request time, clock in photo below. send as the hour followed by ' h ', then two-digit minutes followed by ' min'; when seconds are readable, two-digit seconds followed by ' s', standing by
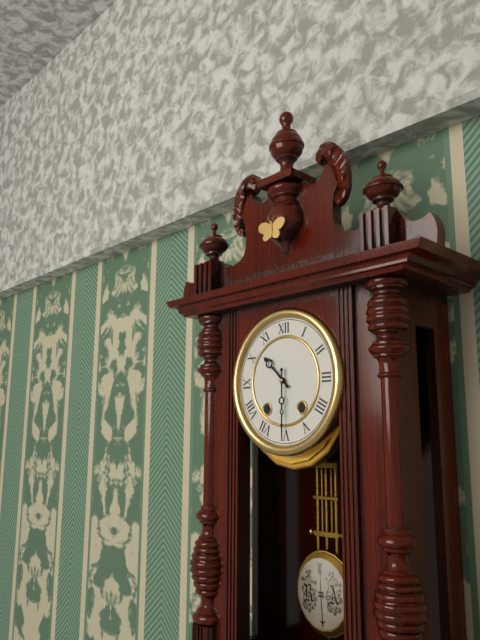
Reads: 10 h 30 min
